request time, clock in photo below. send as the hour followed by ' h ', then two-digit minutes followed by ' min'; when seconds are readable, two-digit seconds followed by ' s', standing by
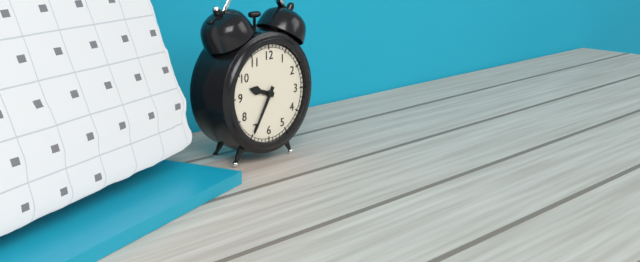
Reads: 9 h 35 min
